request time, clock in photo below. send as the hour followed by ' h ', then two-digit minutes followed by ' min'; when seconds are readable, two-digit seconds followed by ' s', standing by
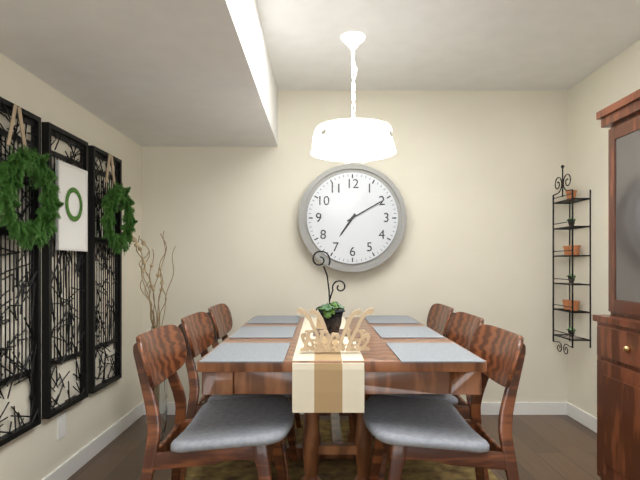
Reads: 7 h 10 min
